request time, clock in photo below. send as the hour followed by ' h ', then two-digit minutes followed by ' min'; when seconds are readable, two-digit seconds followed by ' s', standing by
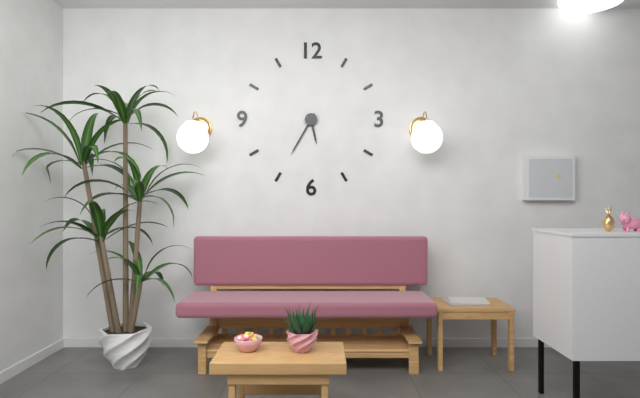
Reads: 5 h 35 min
